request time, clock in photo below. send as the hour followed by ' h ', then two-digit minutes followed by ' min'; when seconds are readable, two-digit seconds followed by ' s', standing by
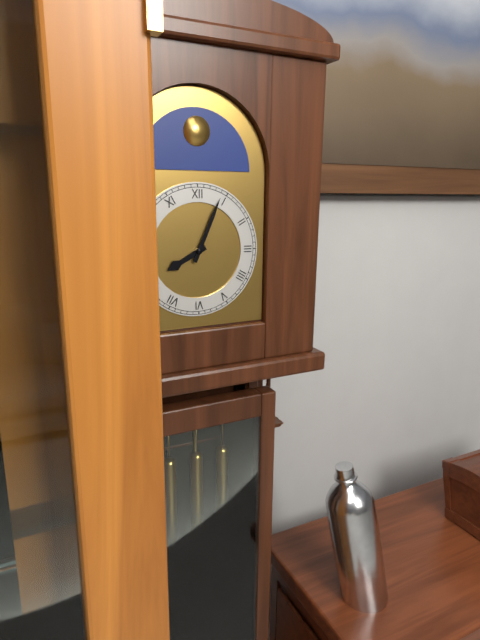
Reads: 8 h 04 min
